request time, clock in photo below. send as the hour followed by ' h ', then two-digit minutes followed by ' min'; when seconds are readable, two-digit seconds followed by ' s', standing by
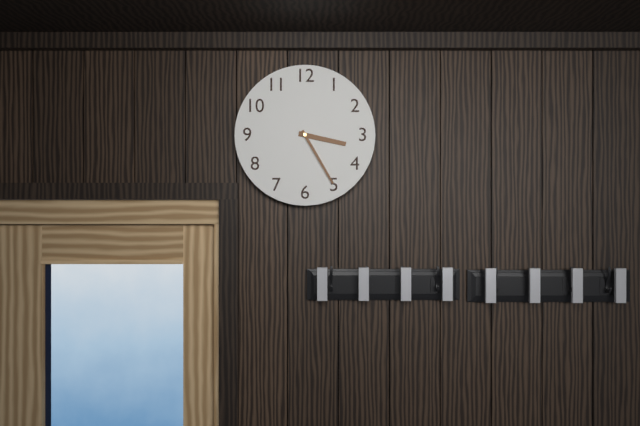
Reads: 3 h 25 min
